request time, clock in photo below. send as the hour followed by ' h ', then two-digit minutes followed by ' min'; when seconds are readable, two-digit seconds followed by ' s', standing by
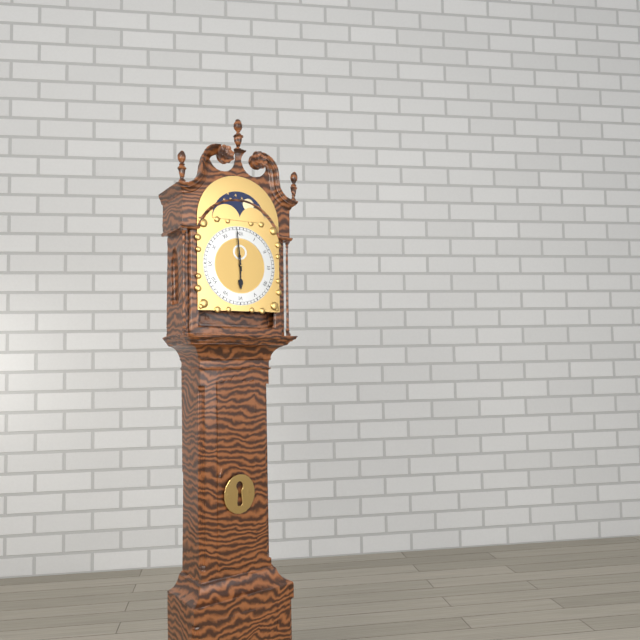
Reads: 5 h 59 min
